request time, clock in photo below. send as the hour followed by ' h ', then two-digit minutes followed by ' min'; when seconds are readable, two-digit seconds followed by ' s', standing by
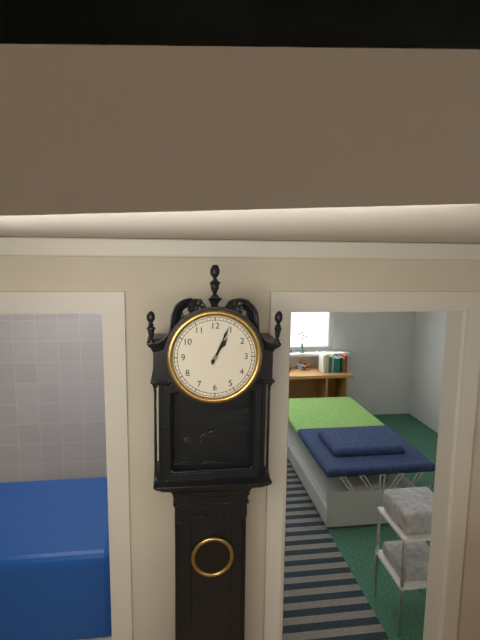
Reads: 1 h 04 min
